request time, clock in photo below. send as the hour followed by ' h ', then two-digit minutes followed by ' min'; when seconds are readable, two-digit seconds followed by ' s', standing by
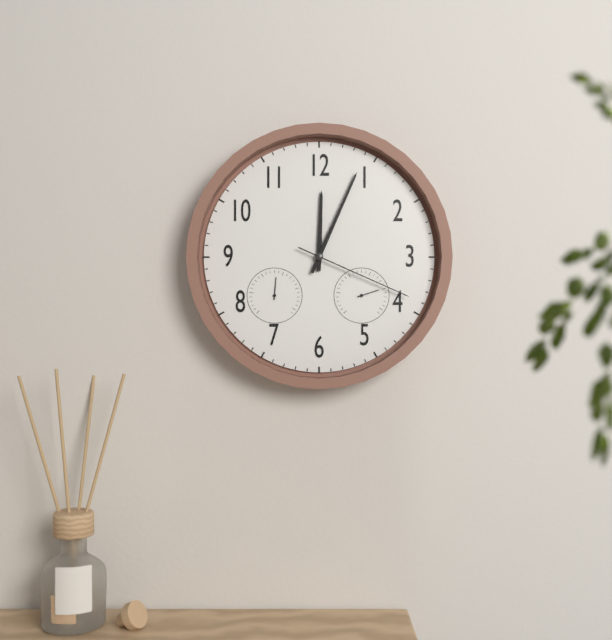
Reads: 12 h 04 min 19 s
